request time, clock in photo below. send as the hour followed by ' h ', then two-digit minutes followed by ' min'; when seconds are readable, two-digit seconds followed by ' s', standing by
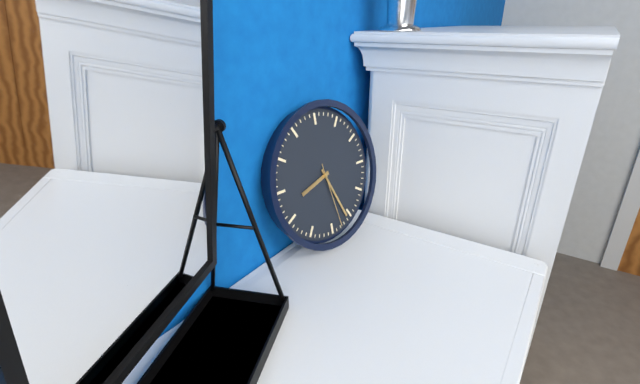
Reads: 8 h 26 min 28 s
